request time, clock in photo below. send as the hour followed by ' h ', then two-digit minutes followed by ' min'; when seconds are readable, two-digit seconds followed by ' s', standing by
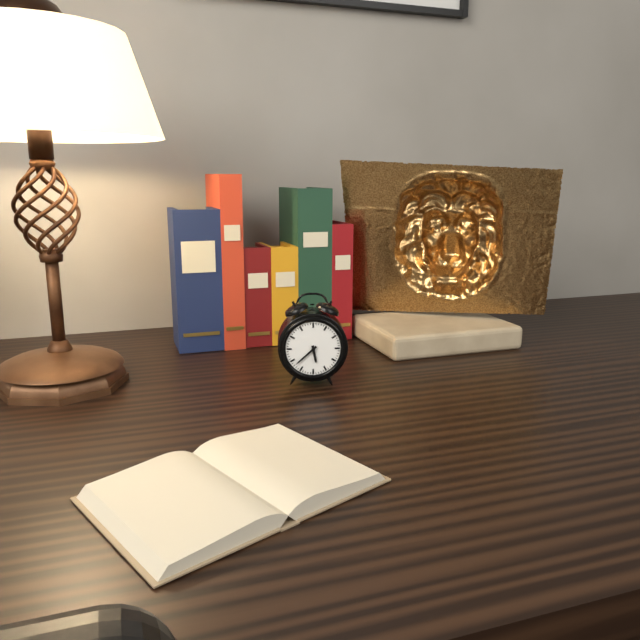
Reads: 5 h 38 min
